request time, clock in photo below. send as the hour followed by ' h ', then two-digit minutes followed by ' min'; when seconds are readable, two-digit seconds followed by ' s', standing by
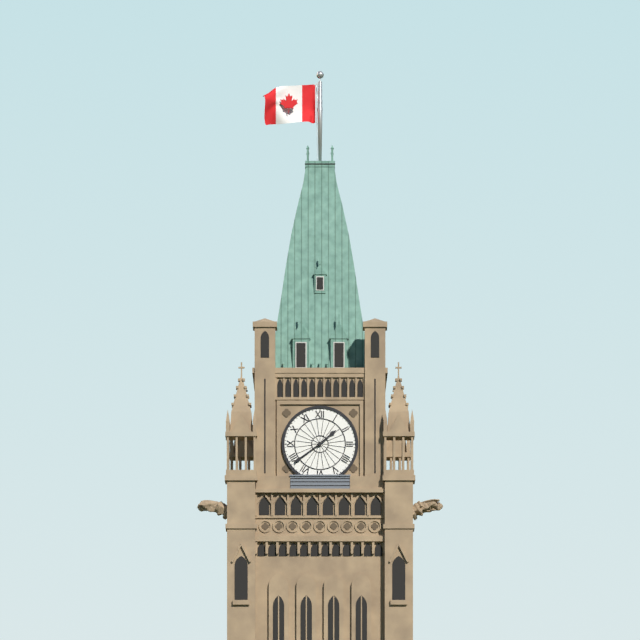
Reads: 1 h 39 min
